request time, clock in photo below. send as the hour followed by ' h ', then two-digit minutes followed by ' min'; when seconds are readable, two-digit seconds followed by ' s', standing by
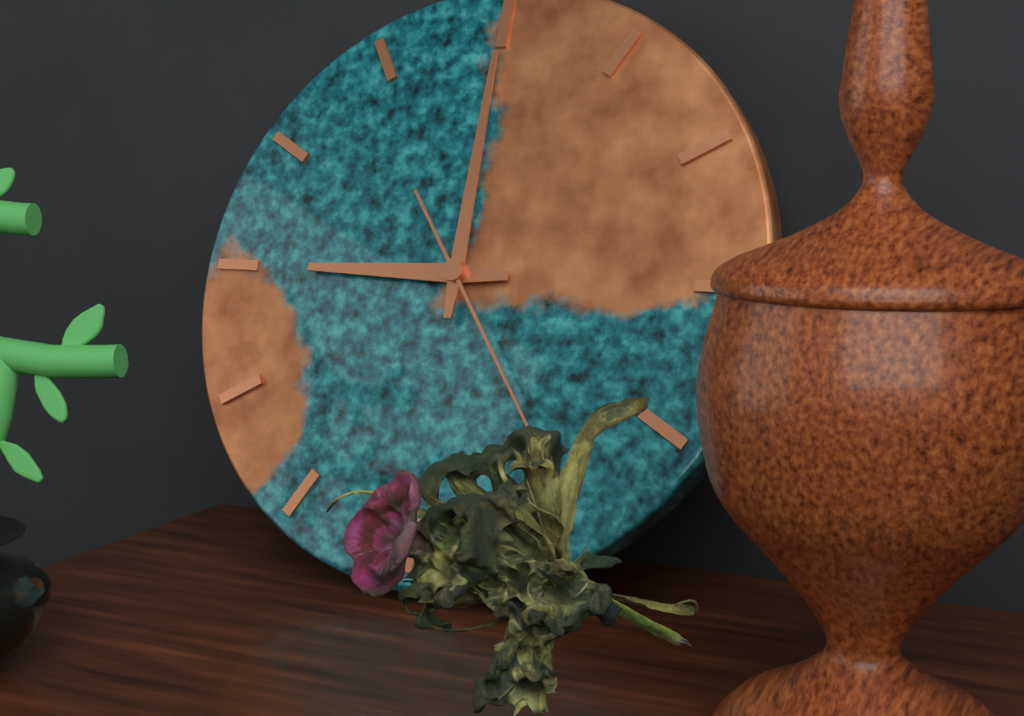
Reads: 9 h 00 min 24 s
